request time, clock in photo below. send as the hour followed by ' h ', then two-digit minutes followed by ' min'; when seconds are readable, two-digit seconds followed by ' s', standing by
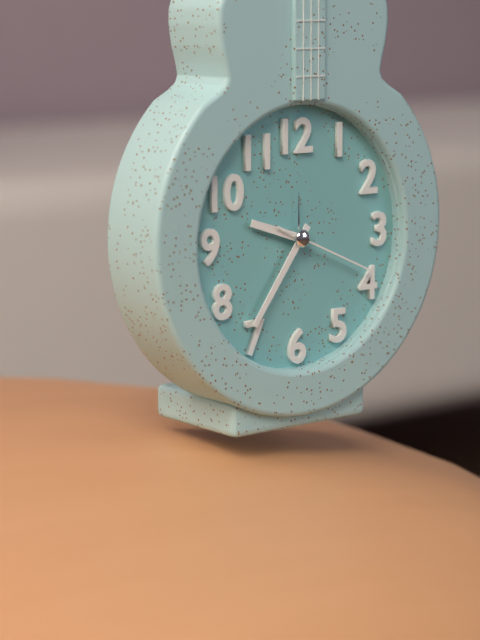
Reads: 9 h 36 min 19 s
